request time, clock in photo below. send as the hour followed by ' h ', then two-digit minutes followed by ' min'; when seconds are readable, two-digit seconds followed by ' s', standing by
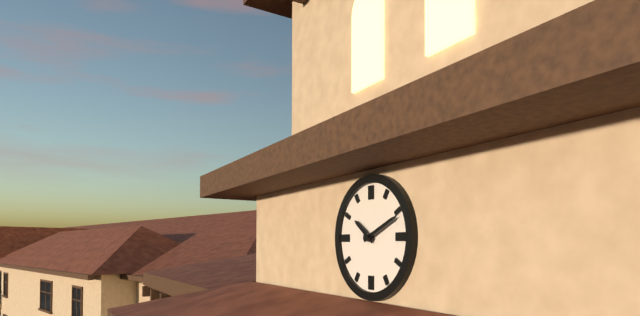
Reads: 10 h 11 min
